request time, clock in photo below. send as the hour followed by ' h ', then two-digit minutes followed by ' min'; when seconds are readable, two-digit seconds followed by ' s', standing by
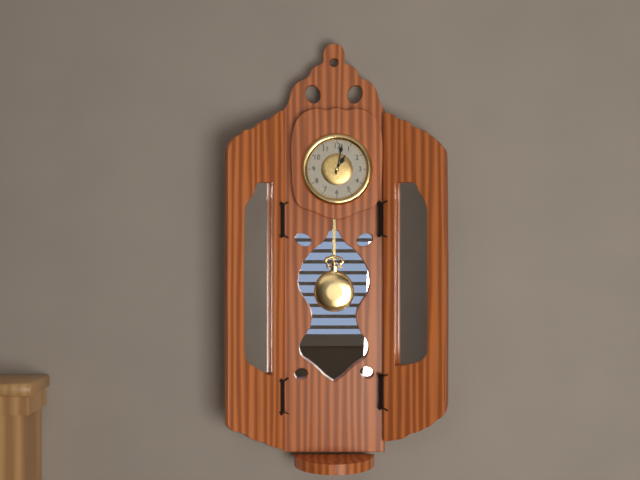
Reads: 1 h 02 min
